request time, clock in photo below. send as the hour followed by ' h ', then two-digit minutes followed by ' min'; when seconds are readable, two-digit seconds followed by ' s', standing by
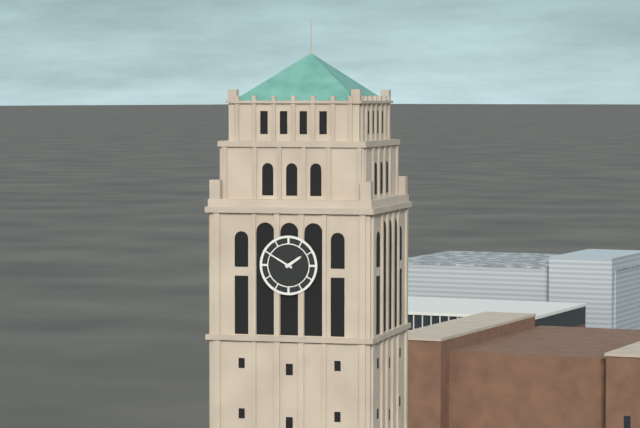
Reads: 1 h 50 min
